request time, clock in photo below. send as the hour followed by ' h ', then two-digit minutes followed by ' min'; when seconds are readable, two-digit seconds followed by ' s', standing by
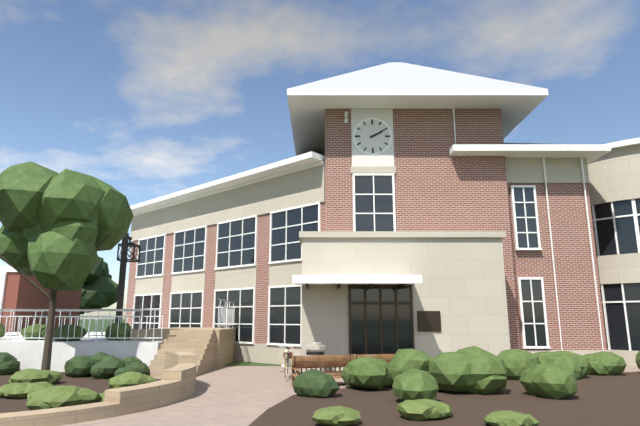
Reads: 2 h 10 min
